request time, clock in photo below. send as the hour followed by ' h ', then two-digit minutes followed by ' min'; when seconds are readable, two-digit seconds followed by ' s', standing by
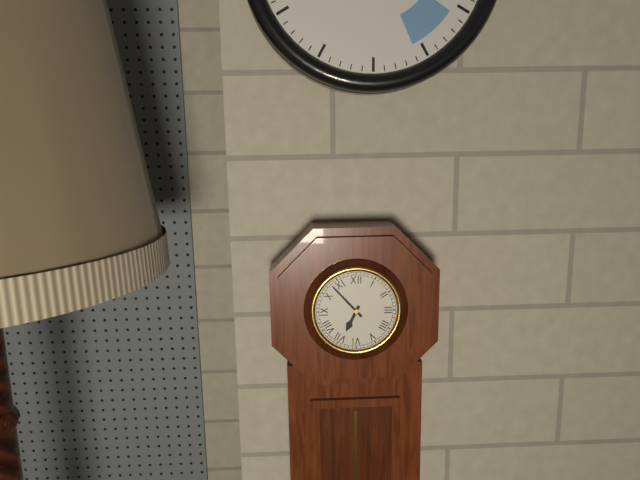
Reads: 6 h 53 min
